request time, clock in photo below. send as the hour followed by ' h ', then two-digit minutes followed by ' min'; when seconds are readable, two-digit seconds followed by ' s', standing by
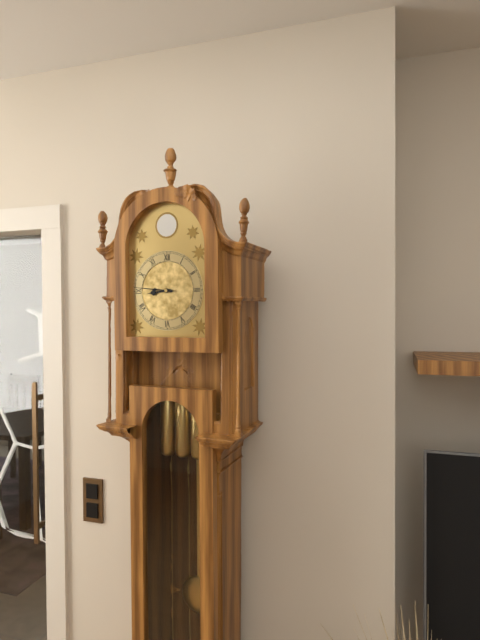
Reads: 8 h 46 min
